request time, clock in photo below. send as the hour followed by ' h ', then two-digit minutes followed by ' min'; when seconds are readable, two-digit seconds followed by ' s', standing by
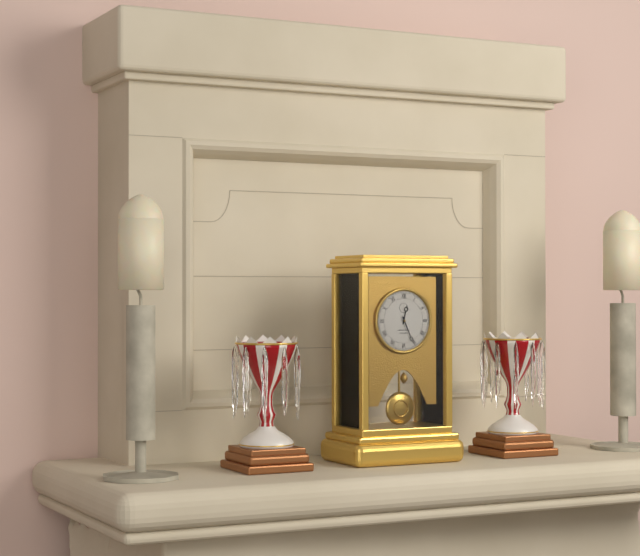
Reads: 12 h 26 min
